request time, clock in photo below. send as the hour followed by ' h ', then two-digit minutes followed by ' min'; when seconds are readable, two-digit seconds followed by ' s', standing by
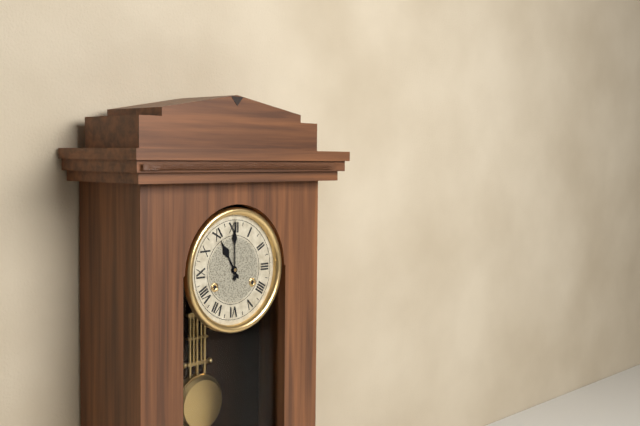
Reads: 11 h 00 min
